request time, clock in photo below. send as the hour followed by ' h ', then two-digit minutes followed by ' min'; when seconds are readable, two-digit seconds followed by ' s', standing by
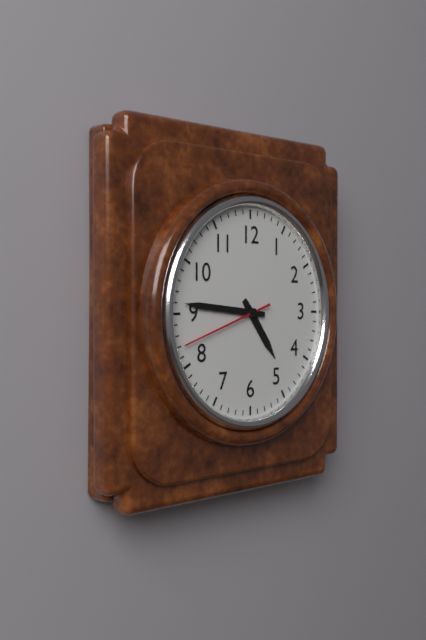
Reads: 4 h 46 min 42 s
